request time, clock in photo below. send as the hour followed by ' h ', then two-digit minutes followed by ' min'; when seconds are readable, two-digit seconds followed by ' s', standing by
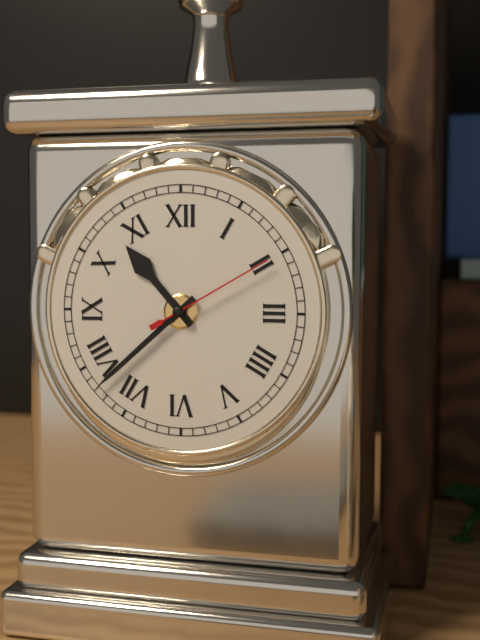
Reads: 10 h 38 min 10 s
